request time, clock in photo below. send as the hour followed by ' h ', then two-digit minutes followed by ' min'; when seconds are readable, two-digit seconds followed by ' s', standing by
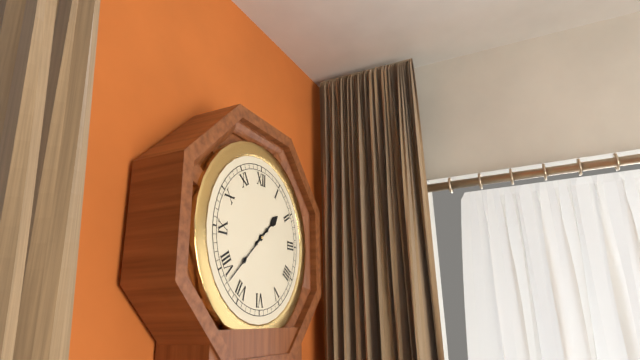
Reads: 1 h 38 min
